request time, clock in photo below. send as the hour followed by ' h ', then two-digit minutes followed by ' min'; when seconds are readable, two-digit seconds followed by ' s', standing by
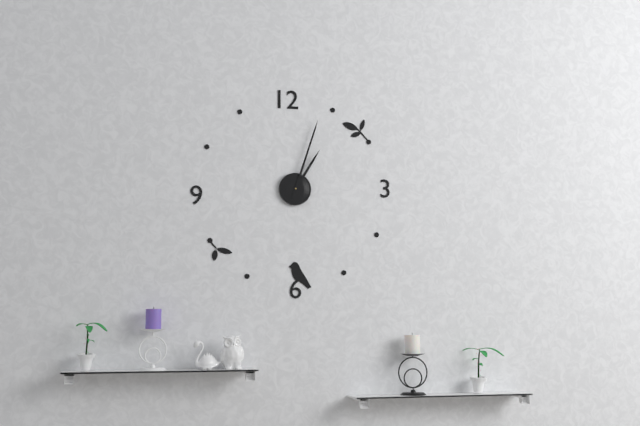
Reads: 1 h 03 min
